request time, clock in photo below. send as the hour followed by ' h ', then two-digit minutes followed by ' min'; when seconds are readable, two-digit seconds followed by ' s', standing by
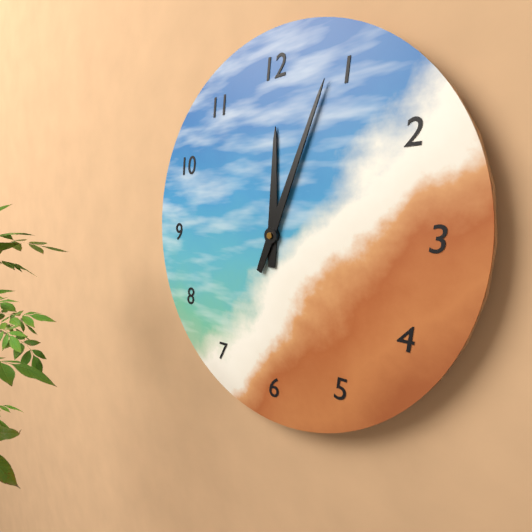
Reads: 12 h 04 min
